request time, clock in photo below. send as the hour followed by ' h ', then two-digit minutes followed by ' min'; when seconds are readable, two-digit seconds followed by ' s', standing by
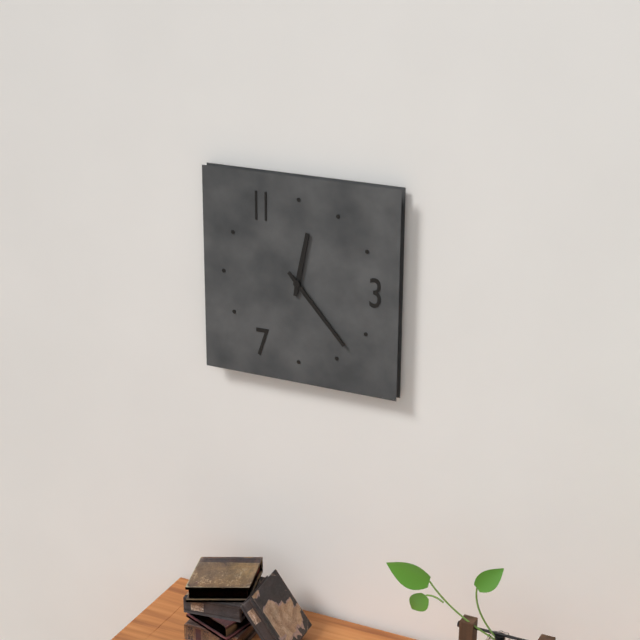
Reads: 12 h 23 min
